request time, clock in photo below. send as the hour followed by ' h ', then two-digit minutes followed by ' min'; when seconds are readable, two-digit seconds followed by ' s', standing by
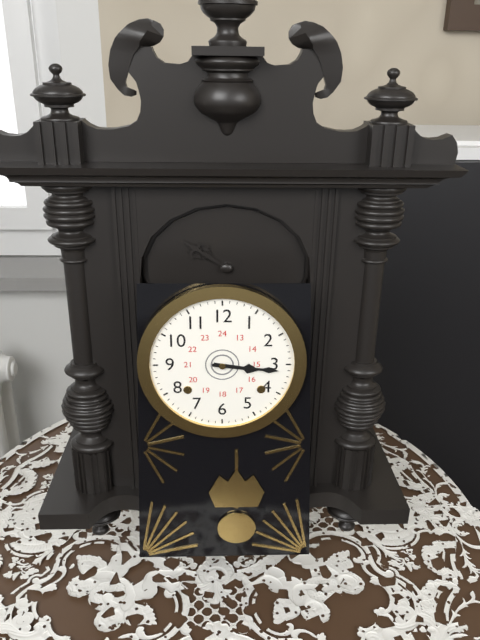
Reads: 3 h 16 min
